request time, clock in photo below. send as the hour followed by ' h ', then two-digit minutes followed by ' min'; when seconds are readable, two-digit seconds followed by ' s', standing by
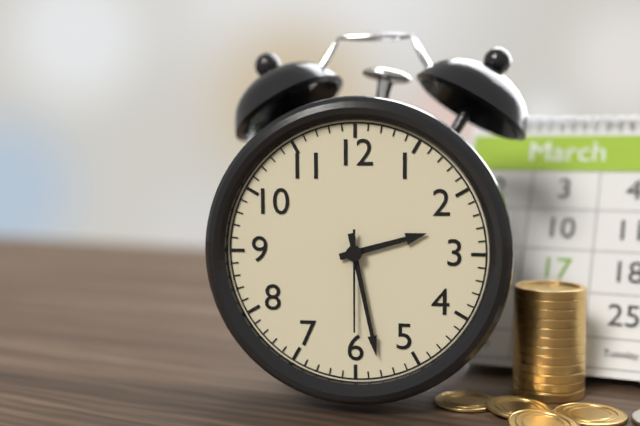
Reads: 2 h 28 min 30 s
